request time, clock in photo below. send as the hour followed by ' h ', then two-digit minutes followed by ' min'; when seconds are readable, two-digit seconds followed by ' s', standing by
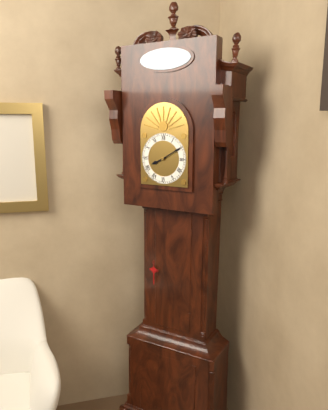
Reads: 8 h 10 min
